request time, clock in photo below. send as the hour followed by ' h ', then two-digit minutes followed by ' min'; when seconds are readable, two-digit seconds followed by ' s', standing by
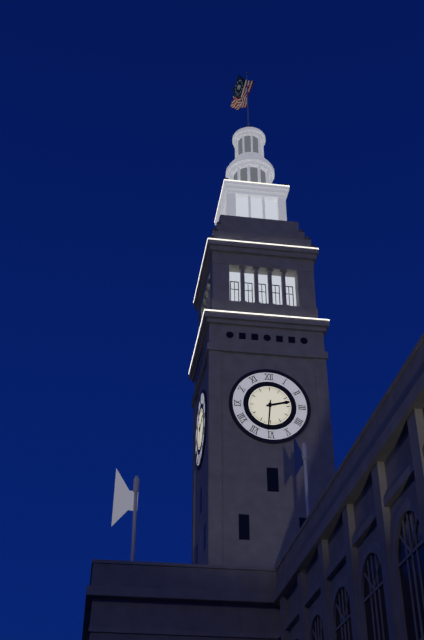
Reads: 2 h 31 min
